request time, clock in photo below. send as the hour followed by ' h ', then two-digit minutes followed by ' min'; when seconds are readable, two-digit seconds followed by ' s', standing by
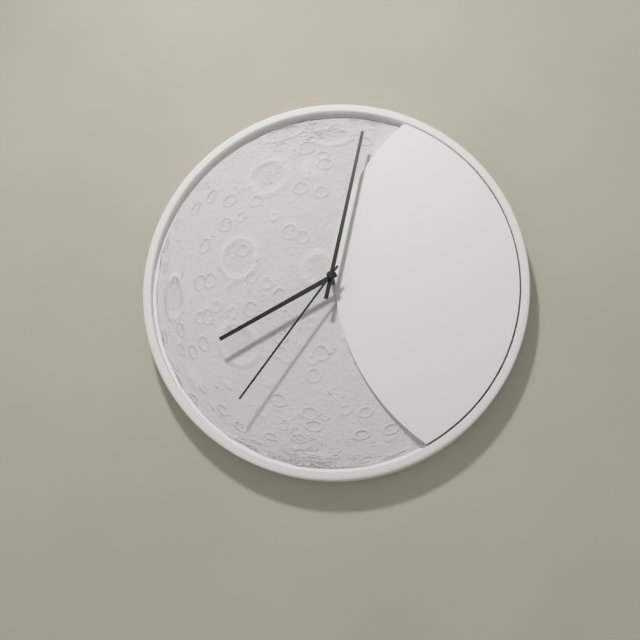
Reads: 8 h 02 min 36 s
